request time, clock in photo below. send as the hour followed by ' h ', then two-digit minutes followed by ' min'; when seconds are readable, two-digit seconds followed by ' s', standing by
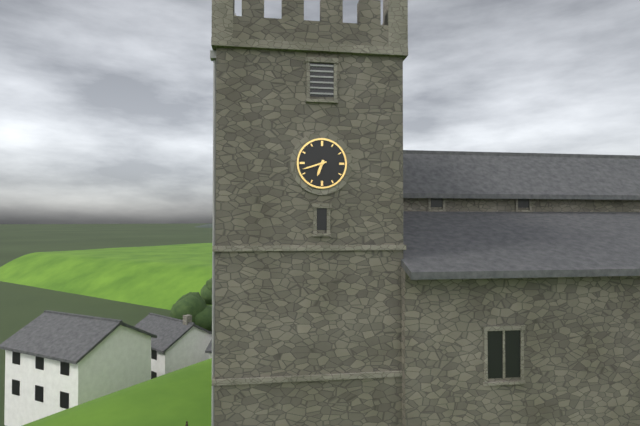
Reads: 6 h 42 min
